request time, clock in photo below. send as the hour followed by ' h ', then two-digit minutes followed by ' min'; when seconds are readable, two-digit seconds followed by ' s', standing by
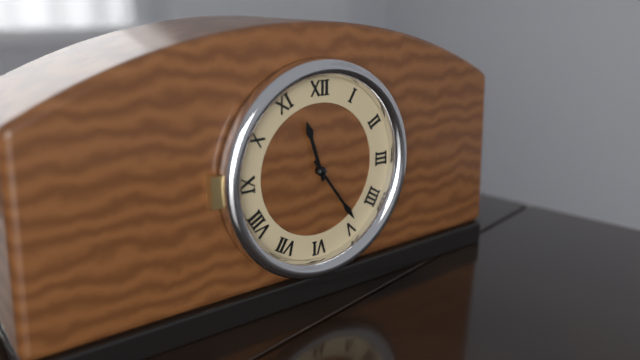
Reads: 11 h 24 min
